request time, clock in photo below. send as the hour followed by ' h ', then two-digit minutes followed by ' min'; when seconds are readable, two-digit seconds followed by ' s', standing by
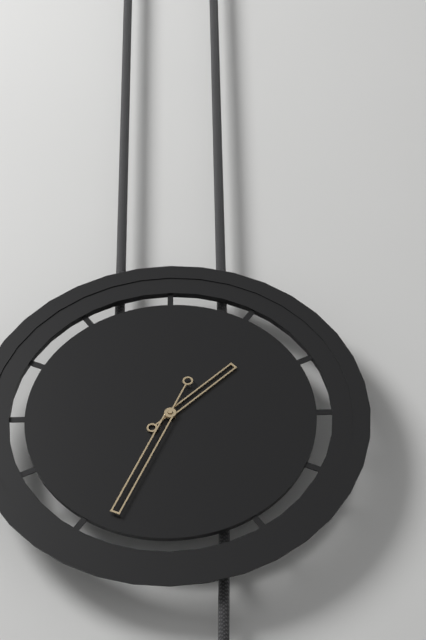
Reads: 1 h 34 min
